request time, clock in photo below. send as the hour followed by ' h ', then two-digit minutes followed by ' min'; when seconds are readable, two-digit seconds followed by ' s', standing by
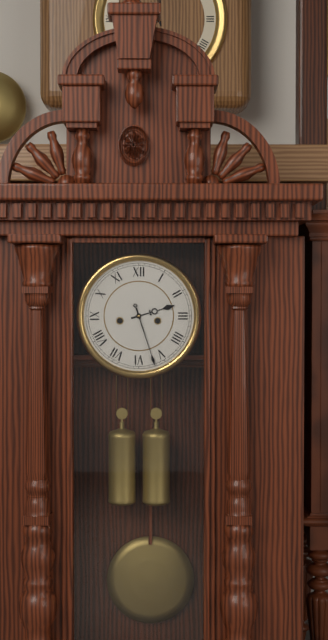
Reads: 2 h 27 min
